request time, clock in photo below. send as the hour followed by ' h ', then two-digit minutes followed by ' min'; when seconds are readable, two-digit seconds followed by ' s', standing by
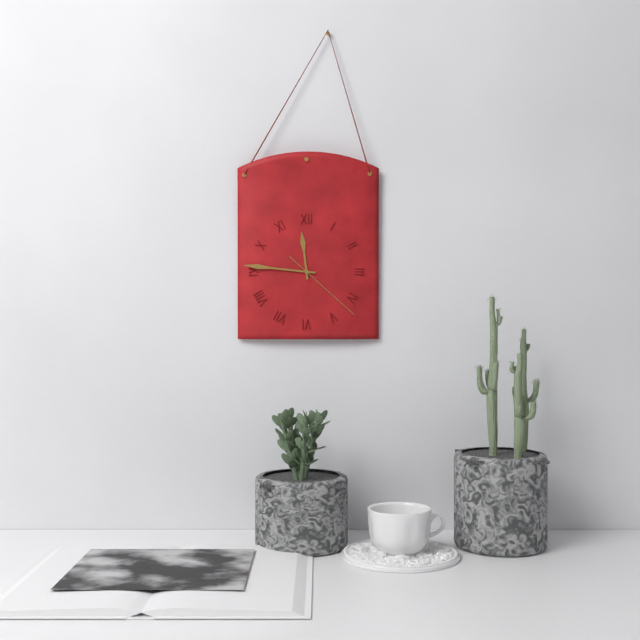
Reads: 11 h 46 min 22 s
